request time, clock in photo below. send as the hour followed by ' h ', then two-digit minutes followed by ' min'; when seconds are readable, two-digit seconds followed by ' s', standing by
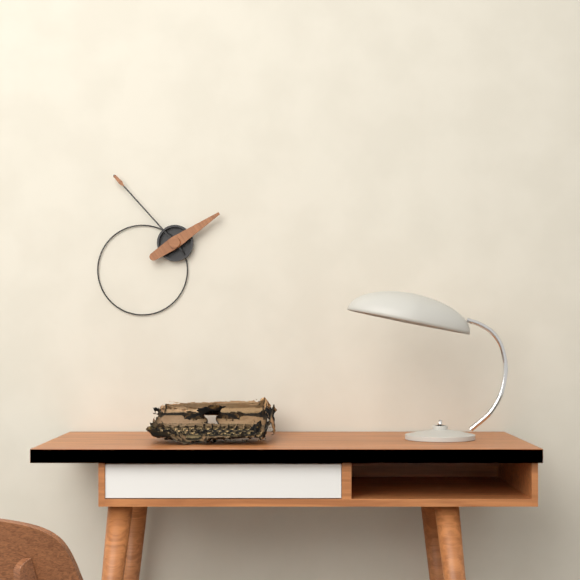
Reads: 1 h 53 min
